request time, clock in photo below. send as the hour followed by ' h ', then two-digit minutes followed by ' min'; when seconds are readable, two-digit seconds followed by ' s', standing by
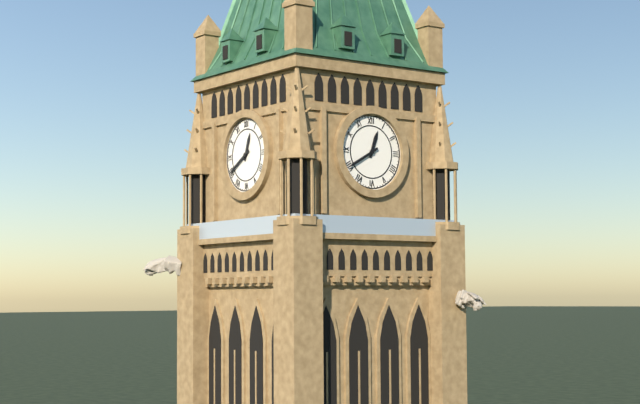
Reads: 12 h 40 min
